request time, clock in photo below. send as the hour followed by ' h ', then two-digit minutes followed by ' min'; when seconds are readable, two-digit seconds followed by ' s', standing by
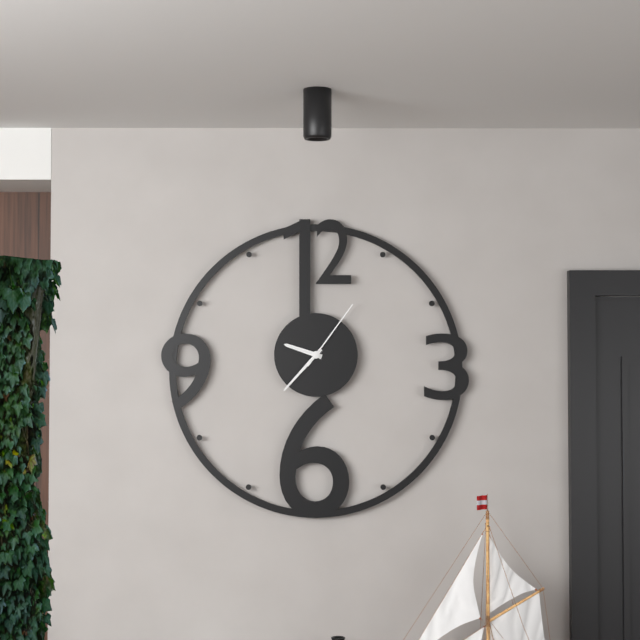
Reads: 9 h 37 min 06 s
